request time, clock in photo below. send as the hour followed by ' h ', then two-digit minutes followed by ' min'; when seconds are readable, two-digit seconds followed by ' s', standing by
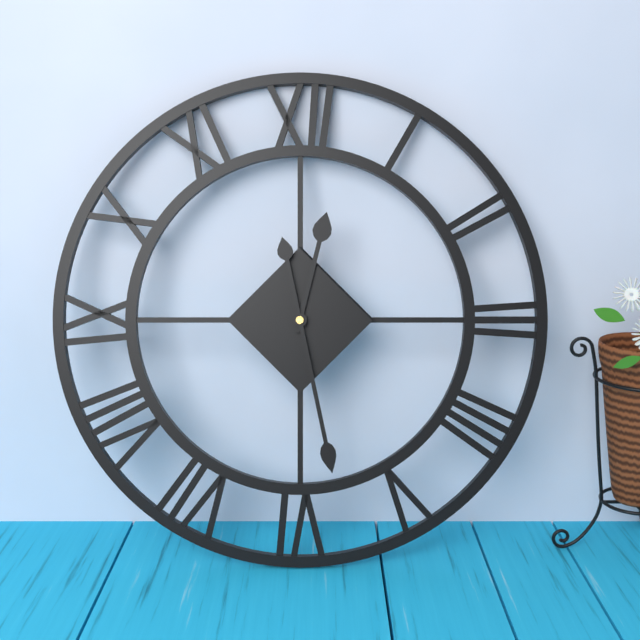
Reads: 12 h 28 min
